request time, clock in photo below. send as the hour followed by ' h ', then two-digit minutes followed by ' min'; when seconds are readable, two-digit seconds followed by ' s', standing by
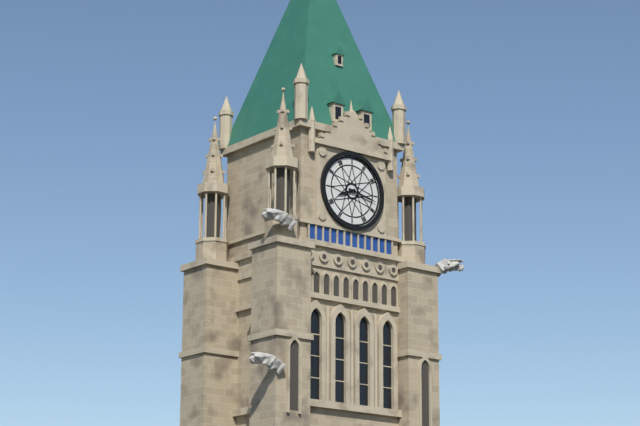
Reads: 8 h 17 min
